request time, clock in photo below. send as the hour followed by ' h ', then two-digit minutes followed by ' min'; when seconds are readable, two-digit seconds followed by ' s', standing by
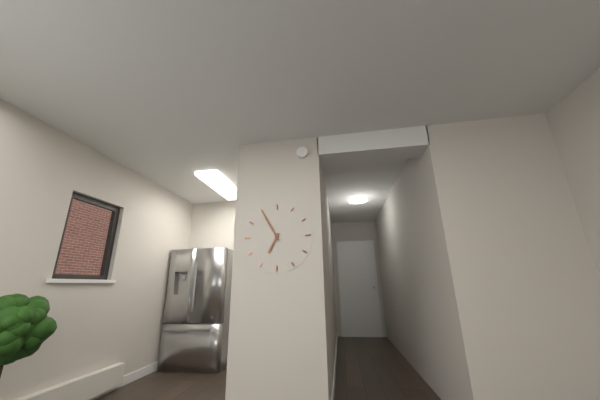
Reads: 6 h 55 min
